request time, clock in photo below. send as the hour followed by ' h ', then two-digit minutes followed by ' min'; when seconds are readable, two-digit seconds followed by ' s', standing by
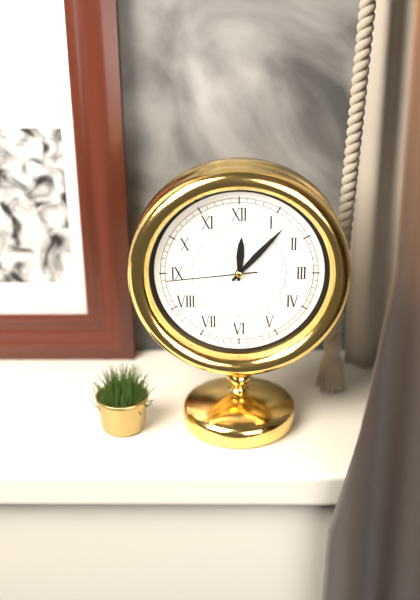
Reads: 12 h 07 min 44 s
